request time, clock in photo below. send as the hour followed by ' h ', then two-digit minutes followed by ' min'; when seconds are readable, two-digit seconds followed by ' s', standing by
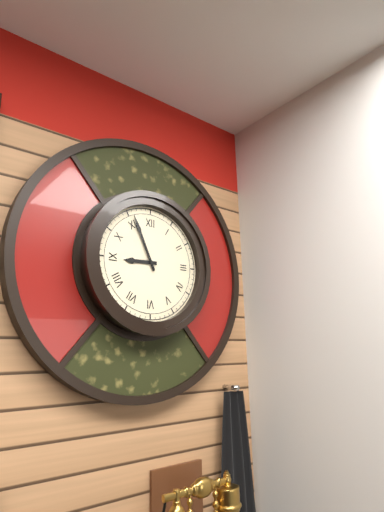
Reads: 8 h 56 min
